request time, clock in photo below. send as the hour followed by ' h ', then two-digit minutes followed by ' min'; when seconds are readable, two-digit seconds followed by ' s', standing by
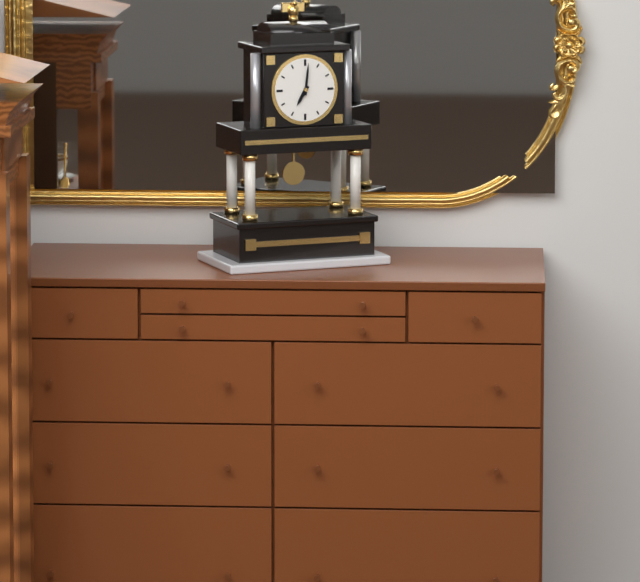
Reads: 7 h 01 min
